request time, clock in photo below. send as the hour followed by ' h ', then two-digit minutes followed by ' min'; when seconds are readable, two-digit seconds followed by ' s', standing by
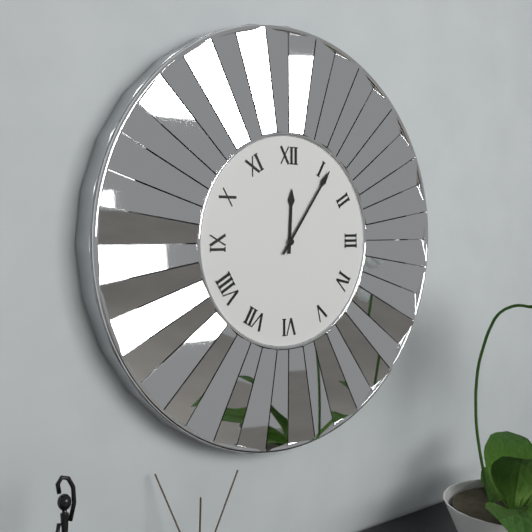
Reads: 12 h 06 min
